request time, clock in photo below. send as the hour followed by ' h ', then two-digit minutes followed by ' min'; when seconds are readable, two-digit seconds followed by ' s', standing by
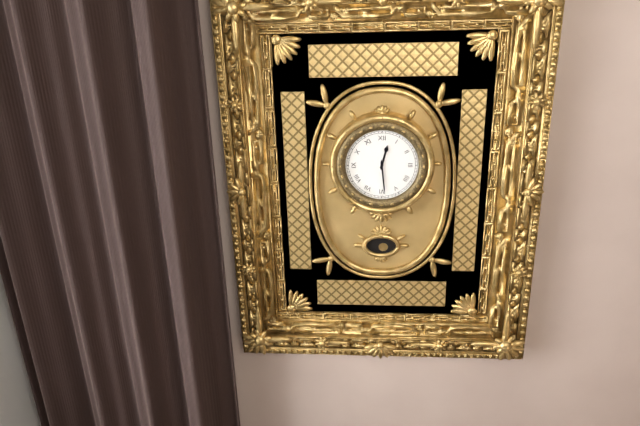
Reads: 12 h 29 min
